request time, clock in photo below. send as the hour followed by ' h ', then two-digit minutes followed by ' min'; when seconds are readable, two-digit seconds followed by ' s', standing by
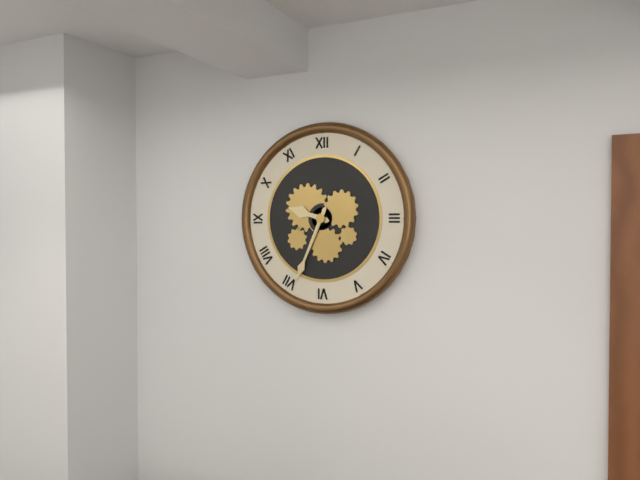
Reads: 9 h 34 min
